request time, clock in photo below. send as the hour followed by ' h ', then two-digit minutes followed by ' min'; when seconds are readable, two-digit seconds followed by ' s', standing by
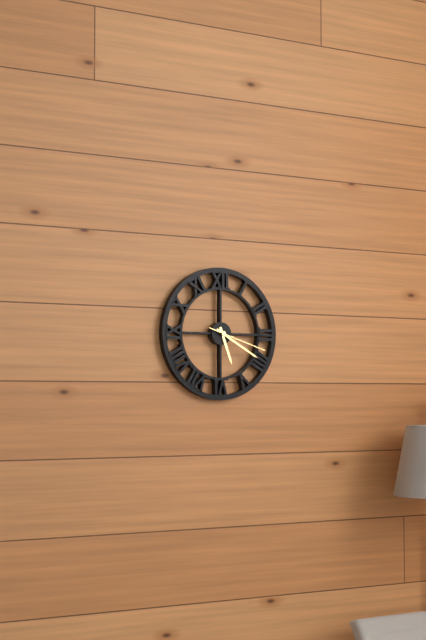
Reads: 5 h 20 min 18 s
